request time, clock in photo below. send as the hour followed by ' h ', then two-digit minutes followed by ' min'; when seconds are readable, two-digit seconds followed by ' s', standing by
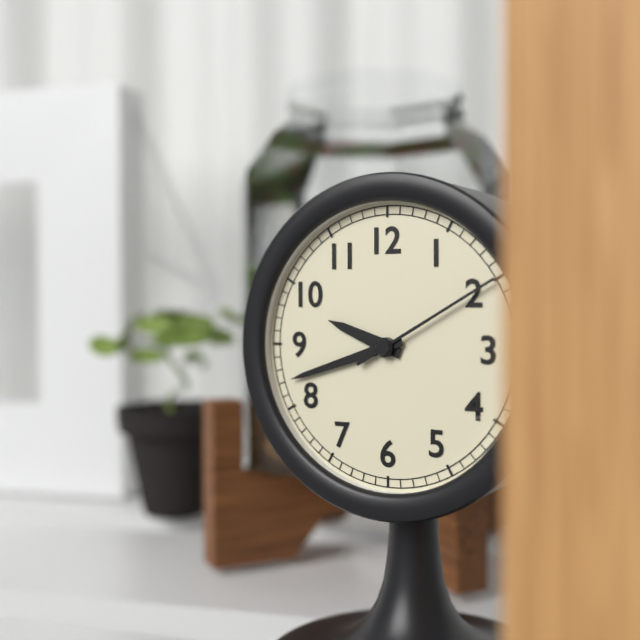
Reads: 9 h 42 min 10 s
